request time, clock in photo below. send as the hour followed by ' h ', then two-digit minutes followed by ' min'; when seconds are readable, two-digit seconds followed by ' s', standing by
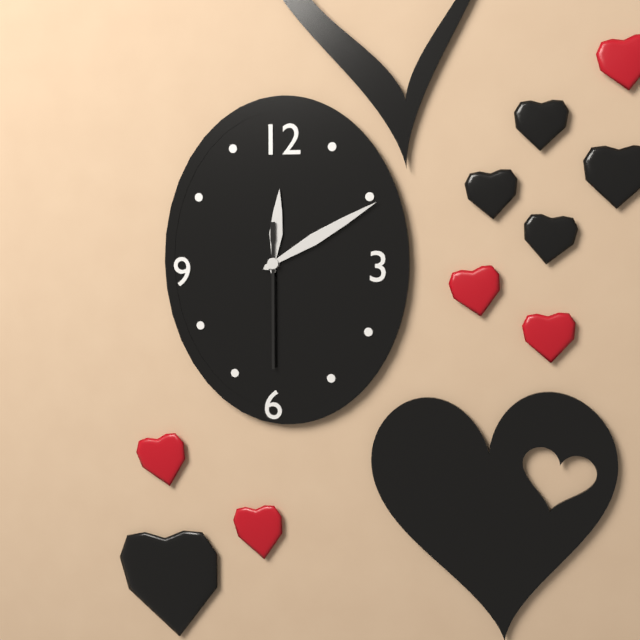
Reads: 12 h 10 min 30 s
